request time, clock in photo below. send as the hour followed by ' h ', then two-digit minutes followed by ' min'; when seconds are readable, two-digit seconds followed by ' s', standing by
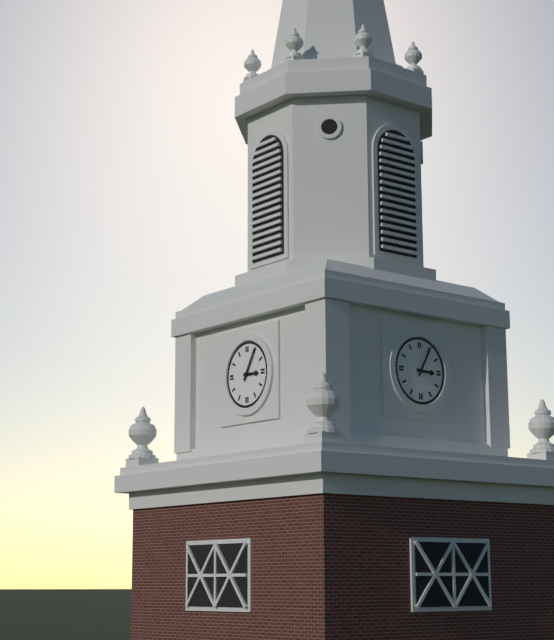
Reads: 3 h 05 min
